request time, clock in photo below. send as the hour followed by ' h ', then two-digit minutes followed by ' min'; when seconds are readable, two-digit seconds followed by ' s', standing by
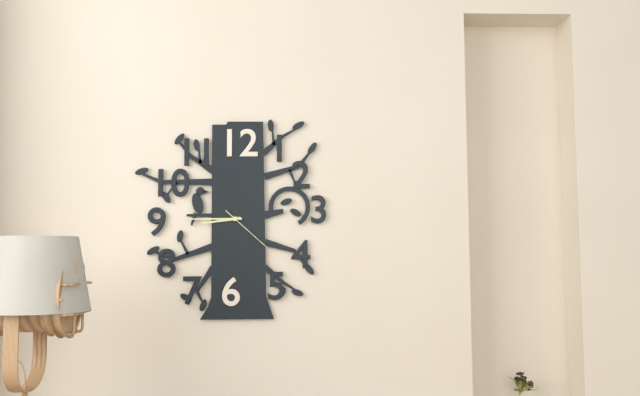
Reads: 8 h 45 min 22 s
